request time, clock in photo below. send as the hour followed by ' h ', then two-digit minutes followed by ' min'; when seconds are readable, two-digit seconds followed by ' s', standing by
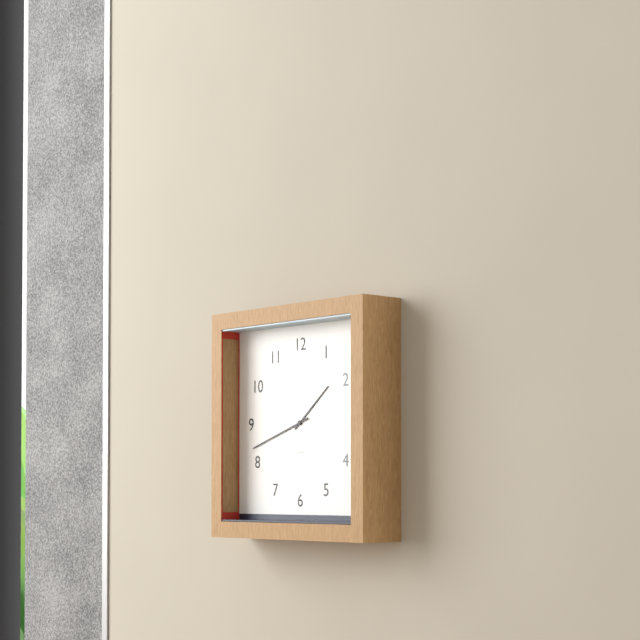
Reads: 1 h 42 min
